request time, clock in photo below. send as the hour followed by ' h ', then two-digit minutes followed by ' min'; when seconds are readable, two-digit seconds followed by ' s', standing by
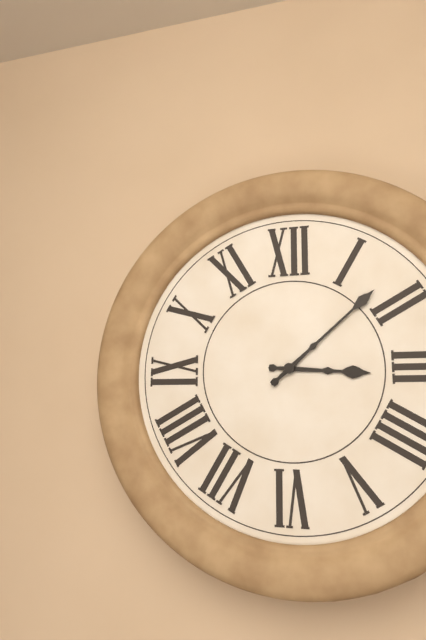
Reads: 3 h 08 min
